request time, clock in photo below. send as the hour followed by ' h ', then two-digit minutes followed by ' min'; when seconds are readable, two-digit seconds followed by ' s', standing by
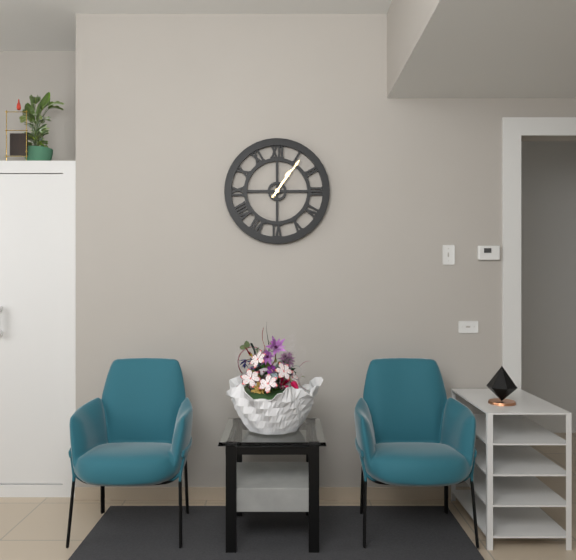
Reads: 1 h 06 min
